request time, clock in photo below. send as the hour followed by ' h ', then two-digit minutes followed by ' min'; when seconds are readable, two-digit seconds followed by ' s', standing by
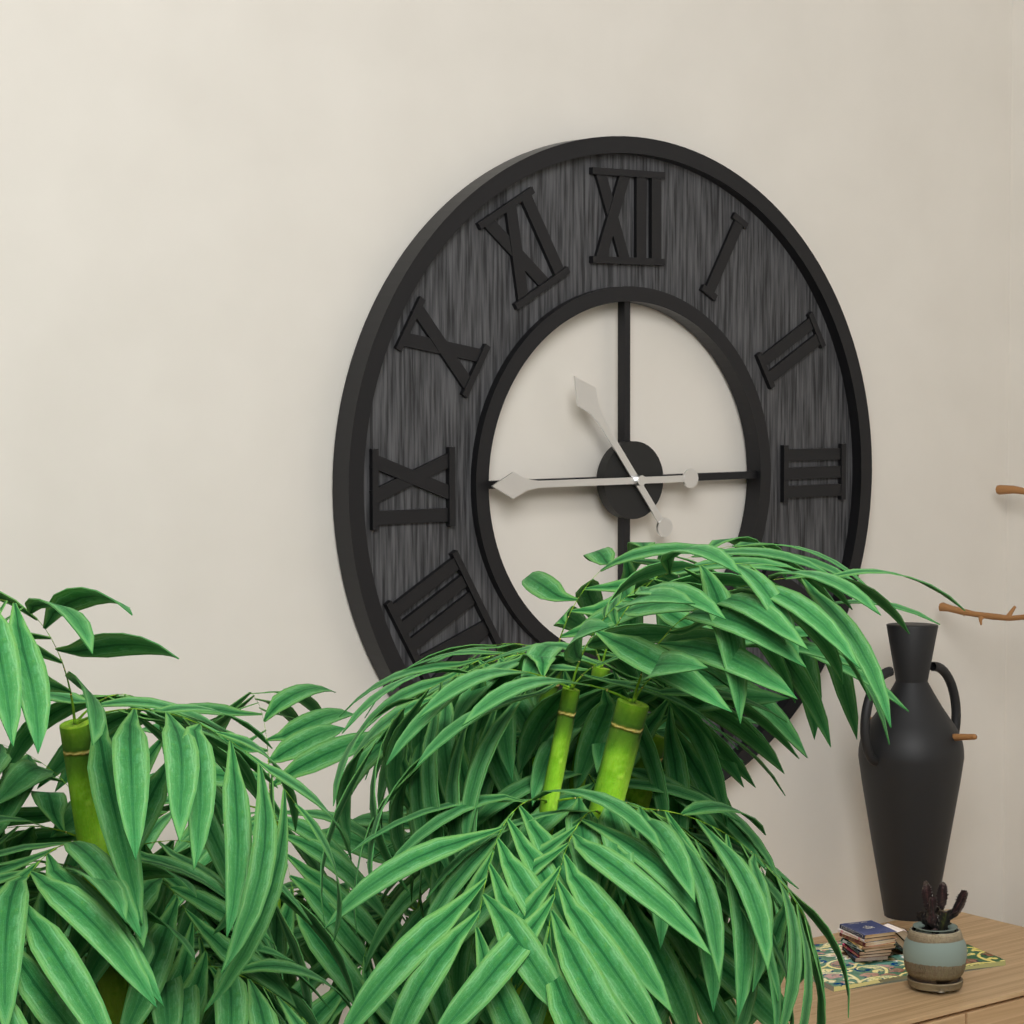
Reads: 10 h 45 min
